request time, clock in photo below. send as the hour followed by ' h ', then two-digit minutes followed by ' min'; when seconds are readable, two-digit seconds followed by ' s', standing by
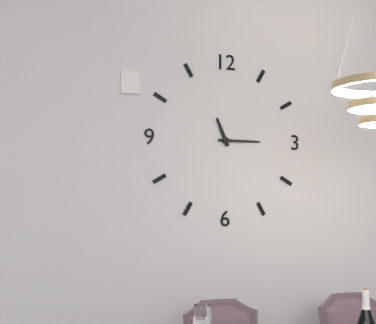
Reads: 11 h 15 min
